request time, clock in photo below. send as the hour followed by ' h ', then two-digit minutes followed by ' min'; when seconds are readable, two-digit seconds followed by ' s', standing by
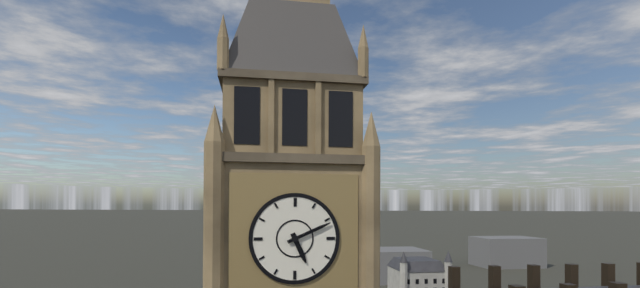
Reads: 5 h 11 min
